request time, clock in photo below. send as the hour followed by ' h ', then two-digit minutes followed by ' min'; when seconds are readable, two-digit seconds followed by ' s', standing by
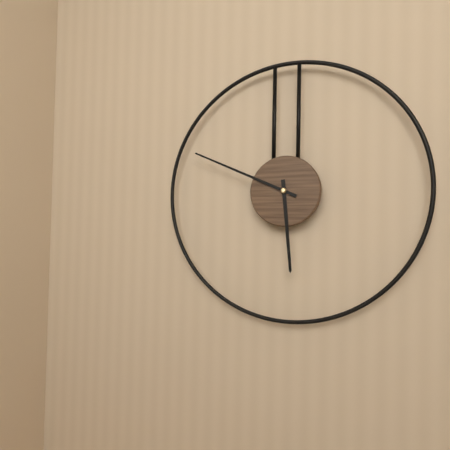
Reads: 5 h 49 min
